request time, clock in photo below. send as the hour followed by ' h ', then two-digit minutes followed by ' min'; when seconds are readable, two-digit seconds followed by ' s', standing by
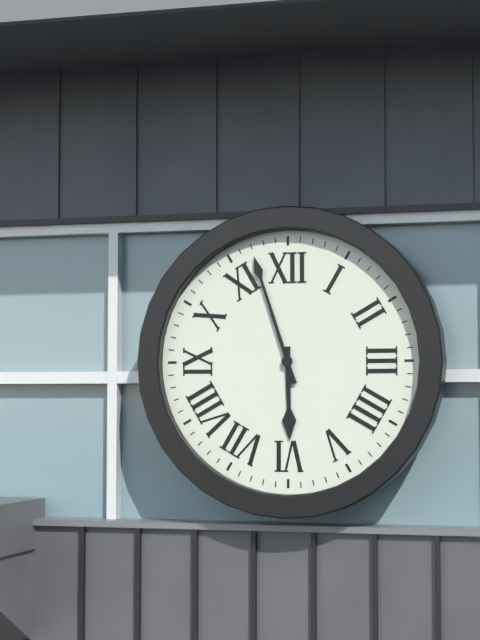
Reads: 5 h 57 min
